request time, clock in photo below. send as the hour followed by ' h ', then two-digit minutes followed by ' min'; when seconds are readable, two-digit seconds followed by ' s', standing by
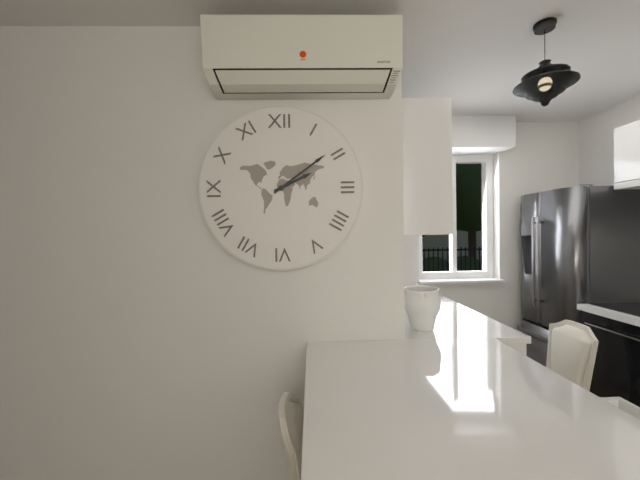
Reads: 2 h 09 min
